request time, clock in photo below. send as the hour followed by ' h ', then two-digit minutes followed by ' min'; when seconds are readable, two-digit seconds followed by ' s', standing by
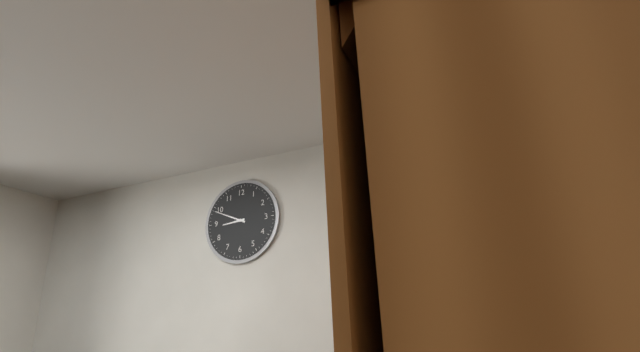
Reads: 8 h 49 min
